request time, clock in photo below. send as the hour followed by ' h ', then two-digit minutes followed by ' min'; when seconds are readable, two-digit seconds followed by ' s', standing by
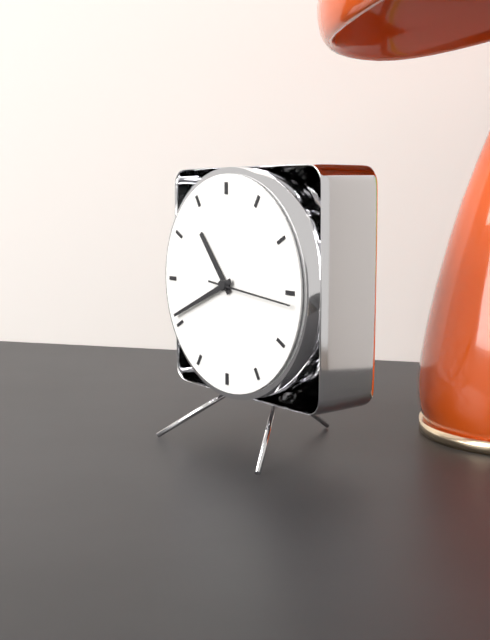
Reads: 10 h 41 min
